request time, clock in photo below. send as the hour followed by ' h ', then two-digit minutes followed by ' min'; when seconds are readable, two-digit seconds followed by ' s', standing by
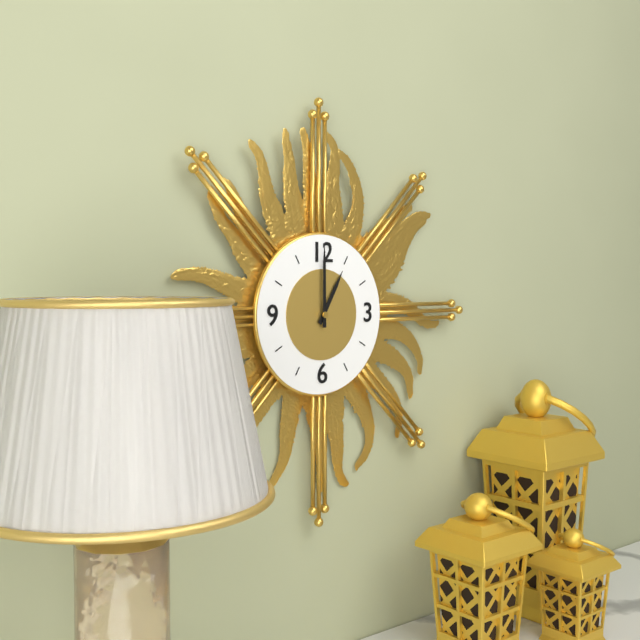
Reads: 1 h 00 min
